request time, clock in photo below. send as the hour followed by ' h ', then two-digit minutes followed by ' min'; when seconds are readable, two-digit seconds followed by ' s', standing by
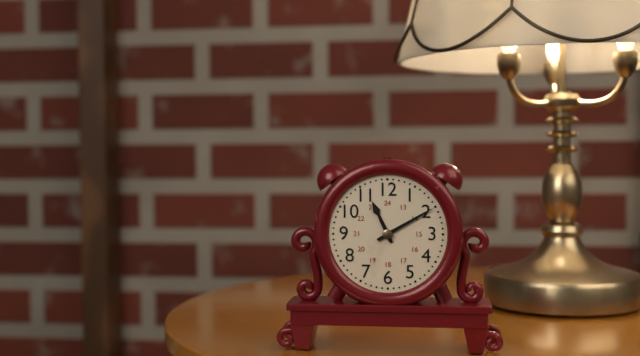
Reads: 11 h 10 min
